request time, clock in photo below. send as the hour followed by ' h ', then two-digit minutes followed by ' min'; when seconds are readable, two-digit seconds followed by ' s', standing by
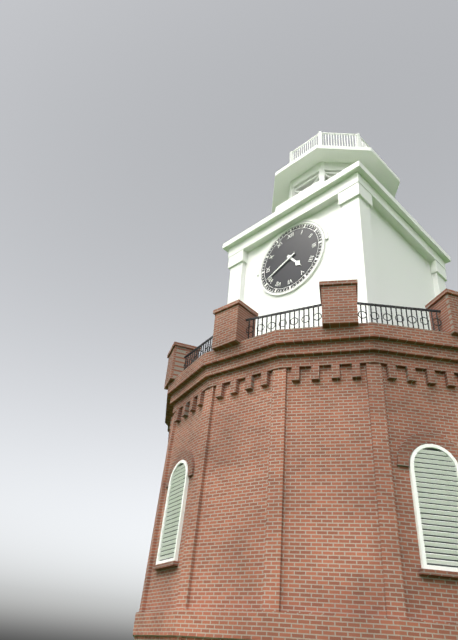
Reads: 4 h 41 min
